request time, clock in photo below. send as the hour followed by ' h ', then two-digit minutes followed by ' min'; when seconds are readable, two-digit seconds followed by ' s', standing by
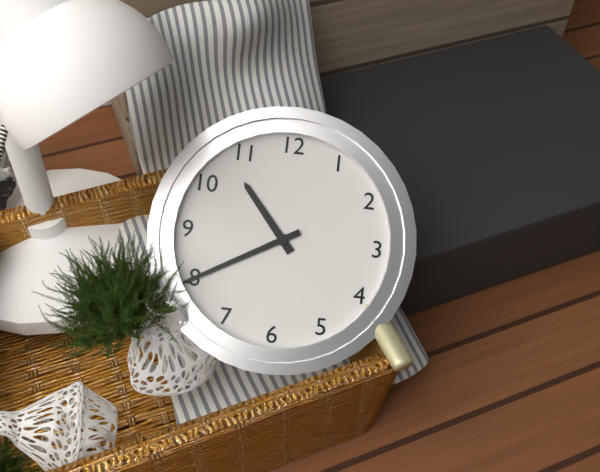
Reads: 10 h 40 min
